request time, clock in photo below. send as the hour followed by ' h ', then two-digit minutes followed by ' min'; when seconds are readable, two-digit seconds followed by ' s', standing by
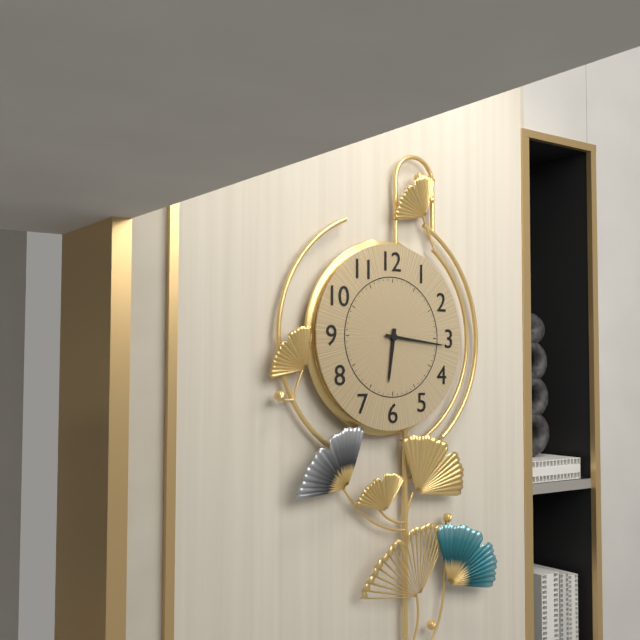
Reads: 6 h 16 min
